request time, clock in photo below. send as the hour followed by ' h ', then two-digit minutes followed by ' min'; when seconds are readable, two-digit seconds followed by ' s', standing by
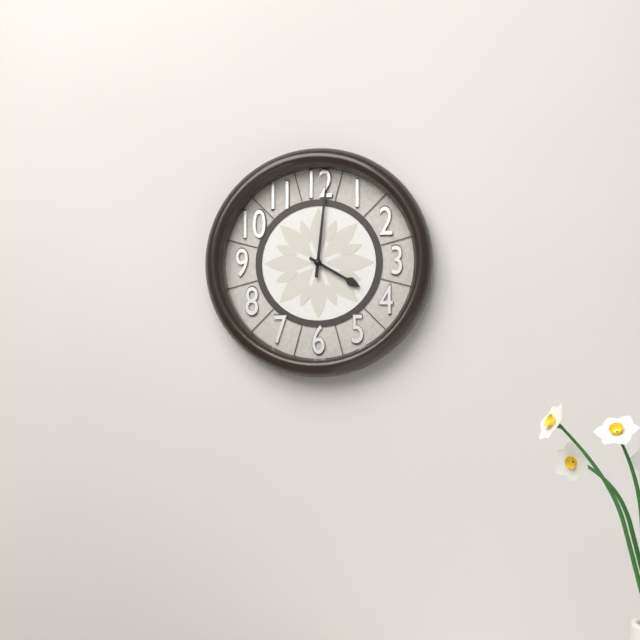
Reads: 4 h 01 min
